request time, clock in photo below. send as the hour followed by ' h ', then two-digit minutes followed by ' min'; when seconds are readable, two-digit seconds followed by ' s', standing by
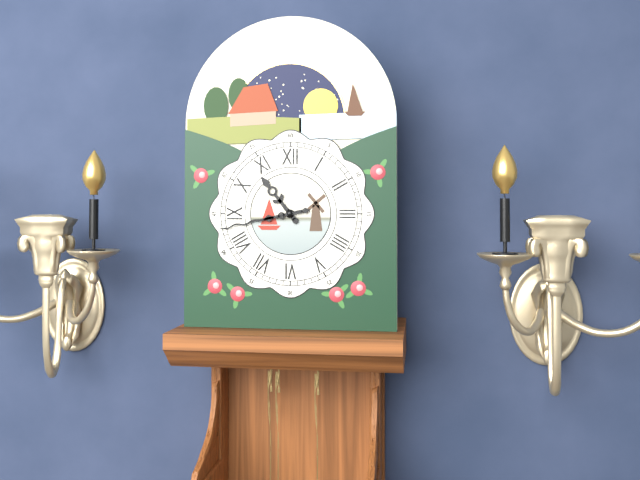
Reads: 10 h 43 min
